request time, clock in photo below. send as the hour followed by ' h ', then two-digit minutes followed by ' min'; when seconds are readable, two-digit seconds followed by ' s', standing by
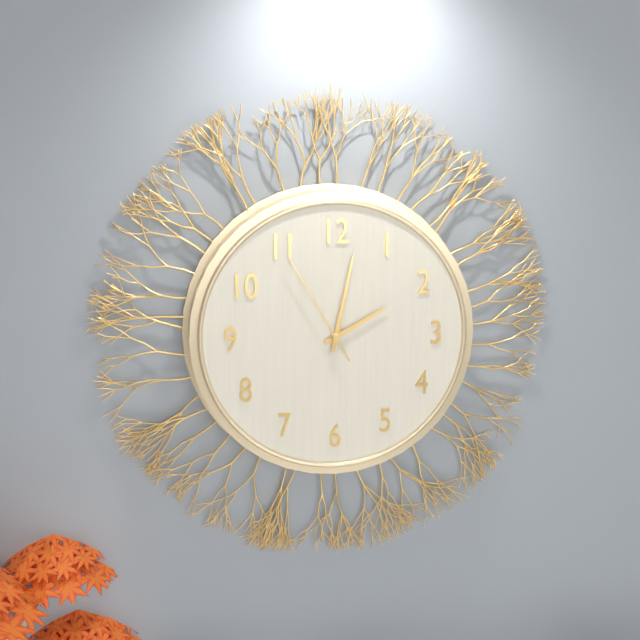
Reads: 2 h 02 min 55 s
